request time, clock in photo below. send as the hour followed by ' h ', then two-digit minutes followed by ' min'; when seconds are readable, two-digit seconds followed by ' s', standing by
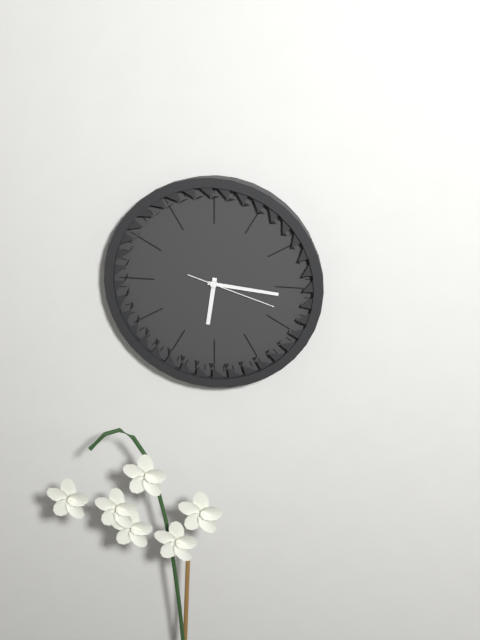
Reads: 6 h 16 min 18 s
